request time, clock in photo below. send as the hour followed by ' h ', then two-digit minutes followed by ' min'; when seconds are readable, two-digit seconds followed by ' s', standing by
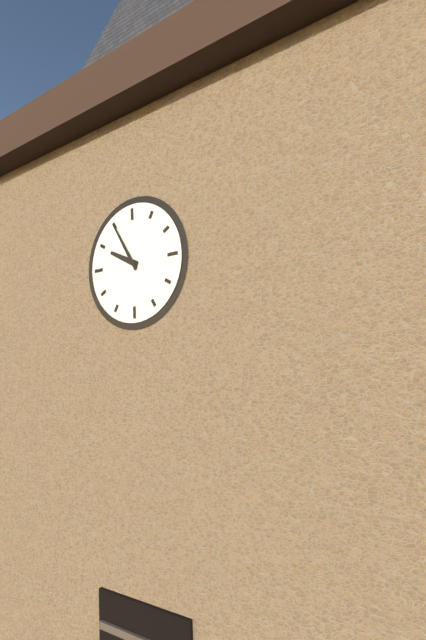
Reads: 9 h 55 min
